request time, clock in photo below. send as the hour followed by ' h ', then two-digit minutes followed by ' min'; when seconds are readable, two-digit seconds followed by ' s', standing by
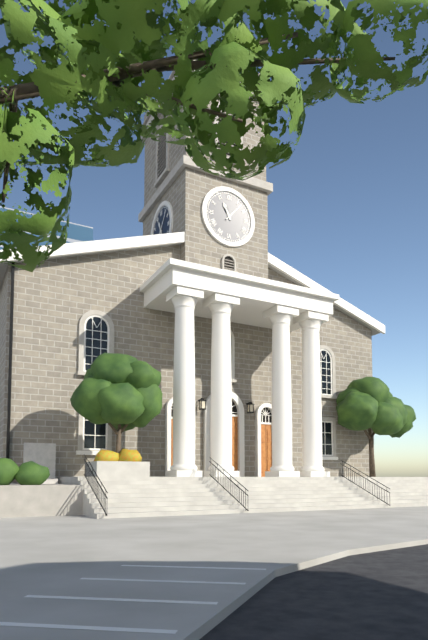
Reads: 11 h 07 min
